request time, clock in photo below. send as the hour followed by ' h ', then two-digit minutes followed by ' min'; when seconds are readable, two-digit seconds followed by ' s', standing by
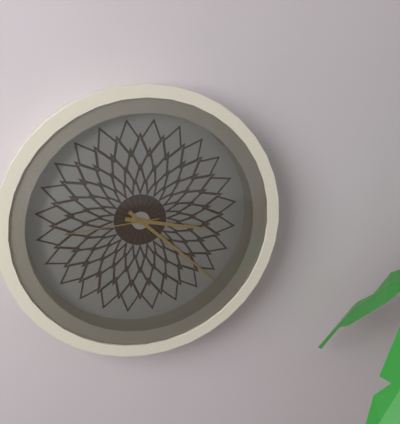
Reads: 3 h 22 min 44 s
